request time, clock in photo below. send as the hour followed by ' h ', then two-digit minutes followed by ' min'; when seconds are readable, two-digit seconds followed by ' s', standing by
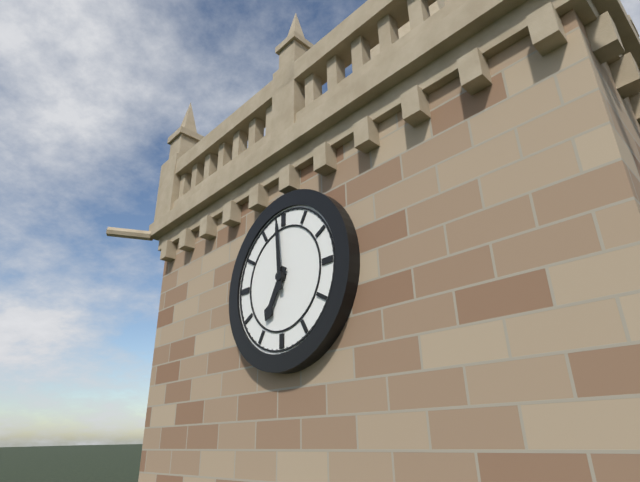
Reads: 6 h 59 min
